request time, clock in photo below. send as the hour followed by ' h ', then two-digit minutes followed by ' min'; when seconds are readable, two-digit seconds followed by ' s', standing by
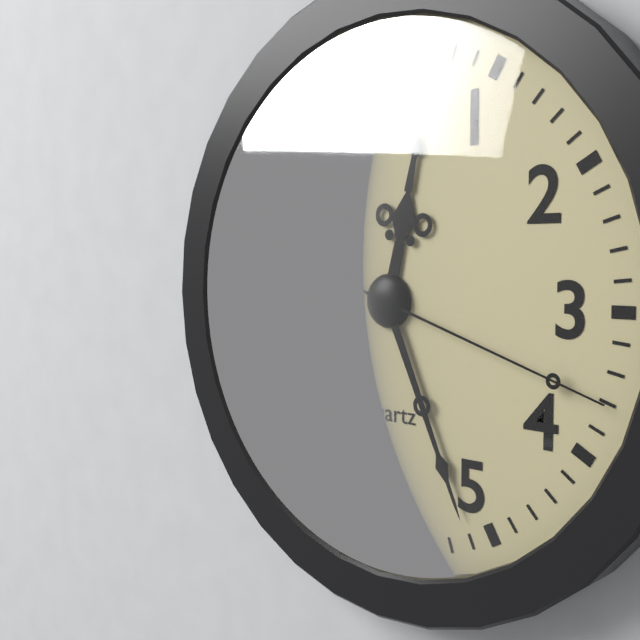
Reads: 12 h 26 min 18 s
